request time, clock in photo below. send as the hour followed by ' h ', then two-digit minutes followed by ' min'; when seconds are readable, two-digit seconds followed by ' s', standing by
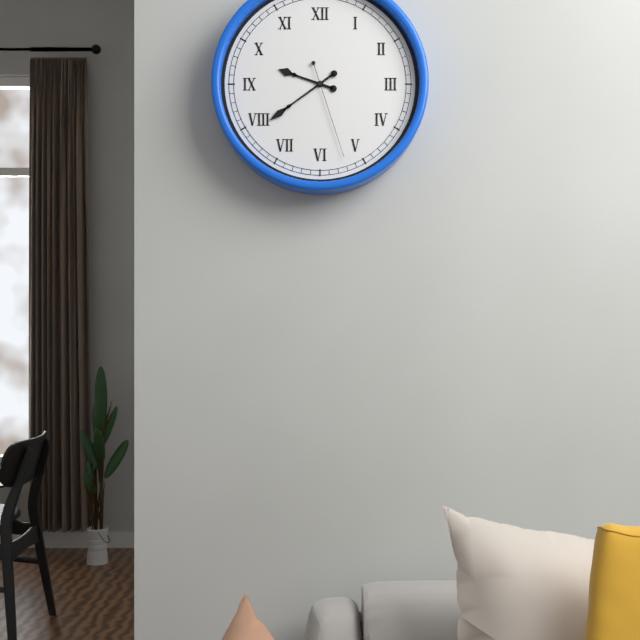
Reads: 9 h 39 min 27 s
